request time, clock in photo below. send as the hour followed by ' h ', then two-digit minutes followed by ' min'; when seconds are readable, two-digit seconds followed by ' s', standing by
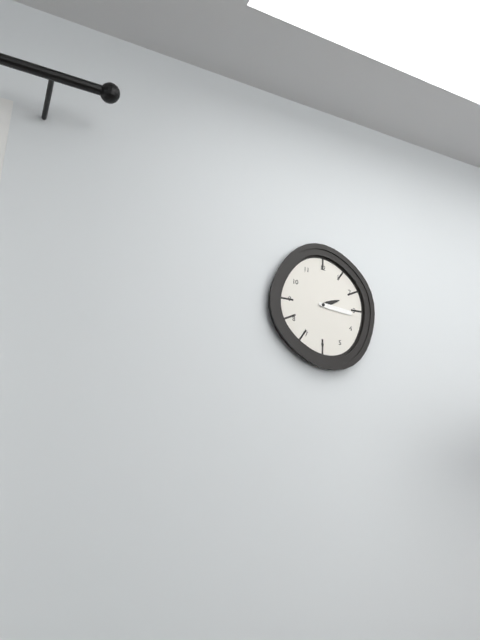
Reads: 2 h 16 min
